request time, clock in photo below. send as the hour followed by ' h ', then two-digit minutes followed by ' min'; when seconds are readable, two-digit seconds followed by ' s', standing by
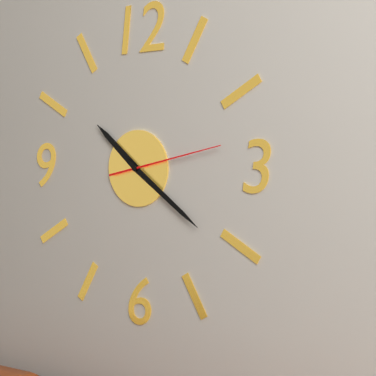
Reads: 10 h 21 min 13 s
